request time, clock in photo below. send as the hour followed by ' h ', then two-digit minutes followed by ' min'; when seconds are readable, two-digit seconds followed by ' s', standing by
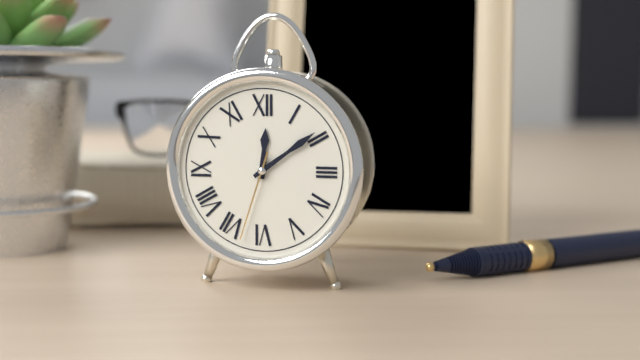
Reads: 12 h 09 min 33 s
